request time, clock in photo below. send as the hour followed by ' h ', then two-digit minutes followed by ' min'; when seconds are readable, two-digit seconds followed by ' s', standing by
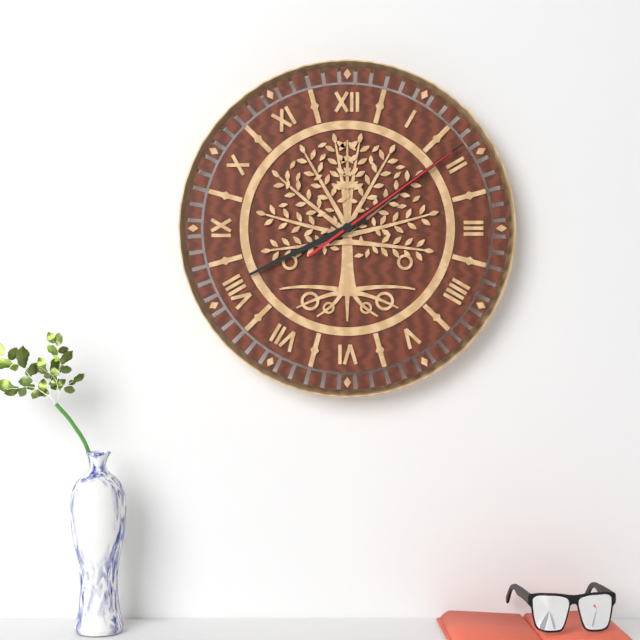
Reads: 8 h 09 min 09 s
